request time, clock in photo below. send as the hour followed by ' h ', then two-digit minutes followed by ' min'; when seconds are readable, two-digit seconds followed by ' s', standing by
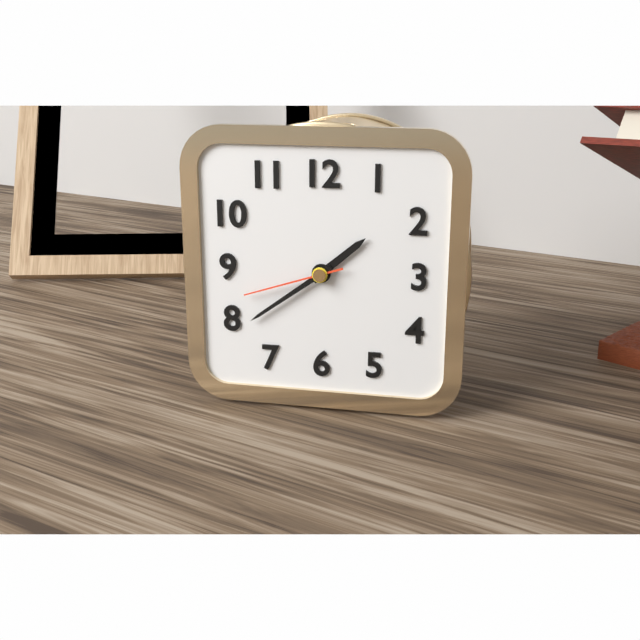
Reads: 1 h 39 min 42 s
